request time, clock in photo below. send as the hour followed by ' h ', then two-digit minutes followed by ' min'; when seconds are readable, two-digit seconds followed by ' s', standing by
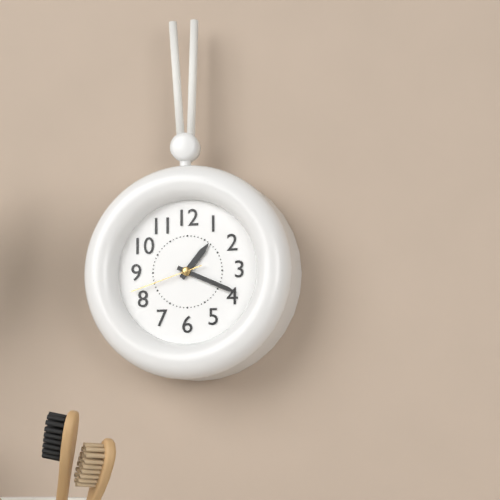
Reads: 1 h 19 min 42 s
